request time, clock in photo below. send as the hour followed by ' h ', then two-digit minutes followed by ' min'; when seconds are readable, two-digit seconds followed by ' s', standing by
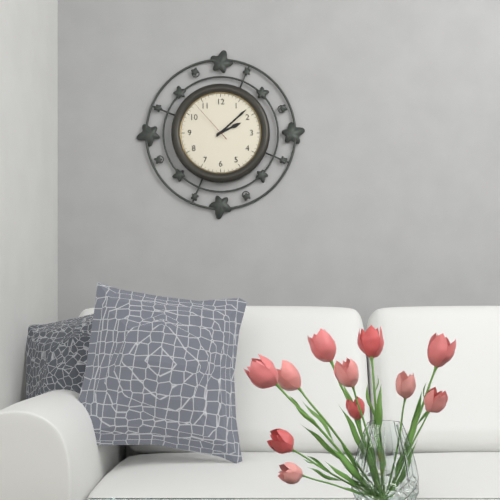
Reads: 2 h 08 min
